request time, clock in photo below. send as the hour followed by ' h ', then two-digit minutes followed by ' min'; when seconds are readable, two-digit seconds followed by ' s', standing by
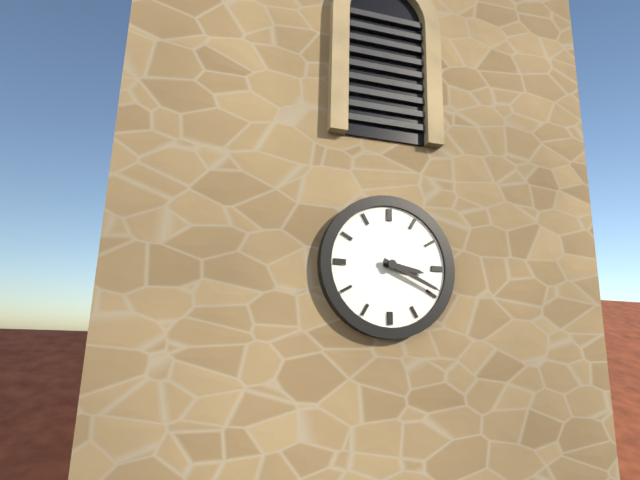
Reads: 3 h 19 min
